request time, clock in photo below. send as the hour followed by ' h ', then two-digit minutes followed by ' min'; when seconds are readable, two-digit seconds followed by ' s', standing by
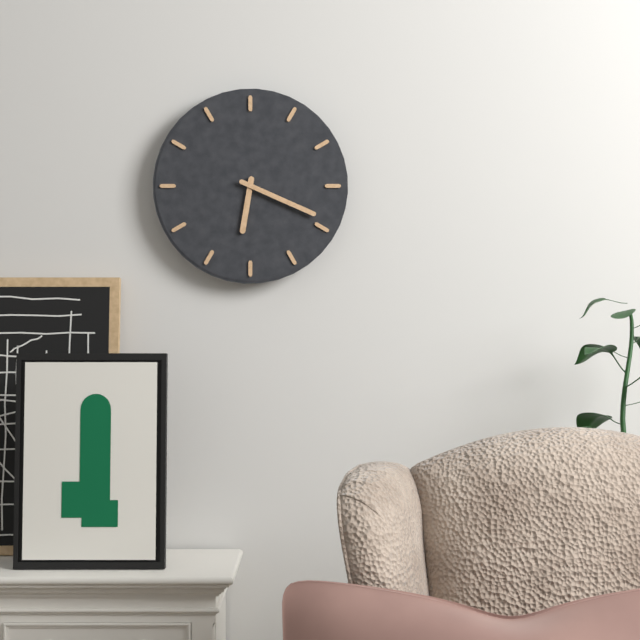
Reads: 6 h 19 min
